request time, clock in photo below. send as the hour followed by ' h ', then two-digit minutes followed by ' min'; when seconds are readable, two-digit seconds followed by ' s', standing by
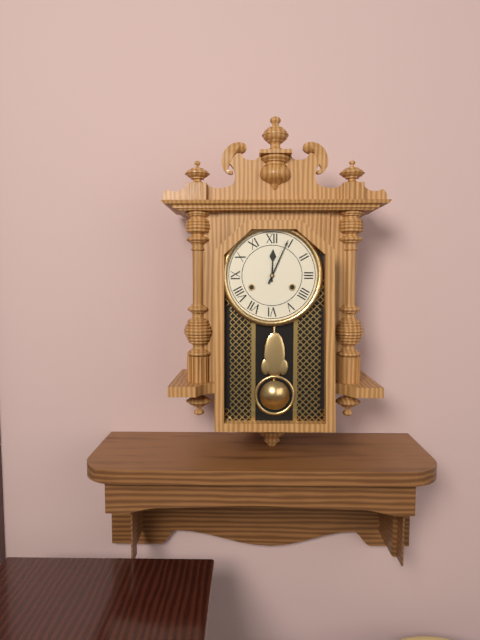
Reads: 12 h 04 min
